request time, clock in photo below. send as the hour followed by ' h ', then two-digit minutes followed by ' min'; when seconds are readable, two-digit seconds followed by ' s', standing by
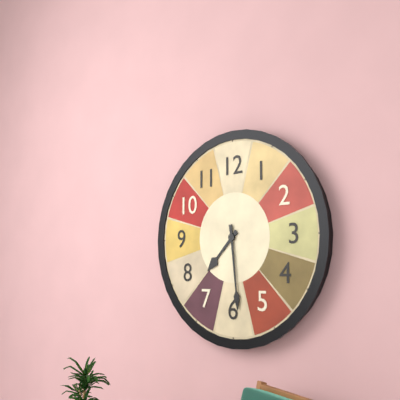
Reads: 7 h 29 min
